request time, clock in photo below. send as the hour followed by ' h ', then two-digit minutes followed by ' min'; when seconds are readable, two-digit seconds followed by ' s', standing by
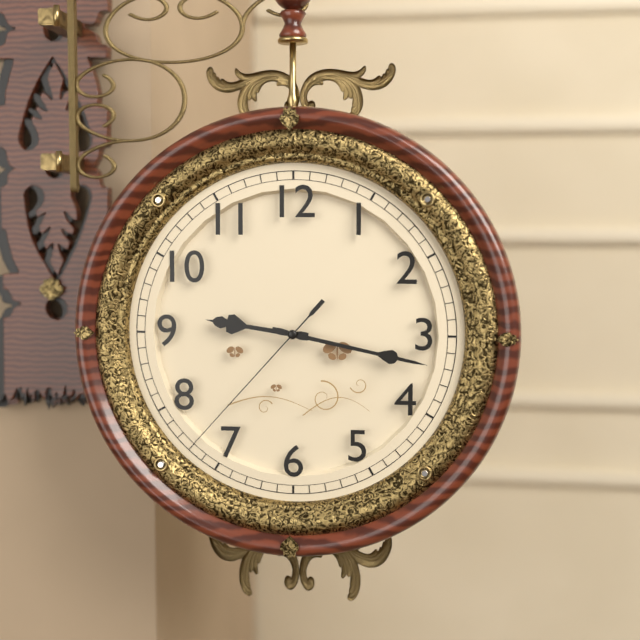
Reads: 9 h 17 min 37 s
